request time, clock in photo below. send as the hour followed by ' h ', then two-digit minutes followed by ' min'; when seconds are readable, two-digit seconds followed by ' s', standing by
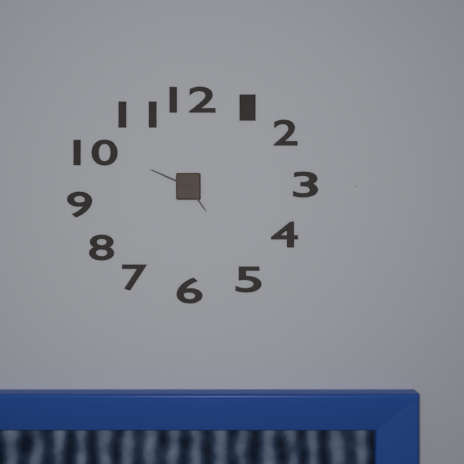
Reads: 4 h 49 min
